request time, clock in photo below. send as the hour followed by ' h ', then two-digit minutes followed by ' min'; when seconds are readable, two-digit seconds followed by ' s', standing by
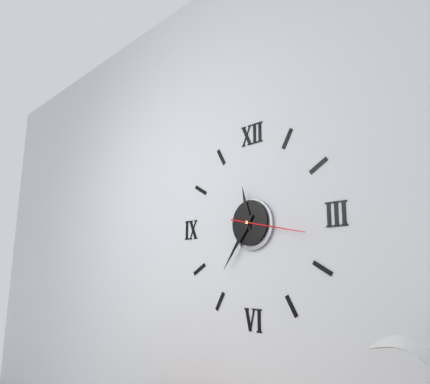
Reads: 11 h 36 min 17 s
